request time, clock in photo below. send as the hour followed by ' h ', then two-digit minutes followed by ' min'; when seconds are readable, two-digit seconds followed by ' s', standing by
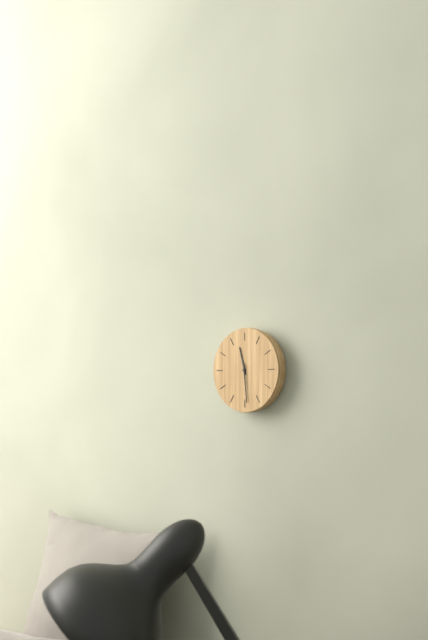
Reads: 11 h 29 min
